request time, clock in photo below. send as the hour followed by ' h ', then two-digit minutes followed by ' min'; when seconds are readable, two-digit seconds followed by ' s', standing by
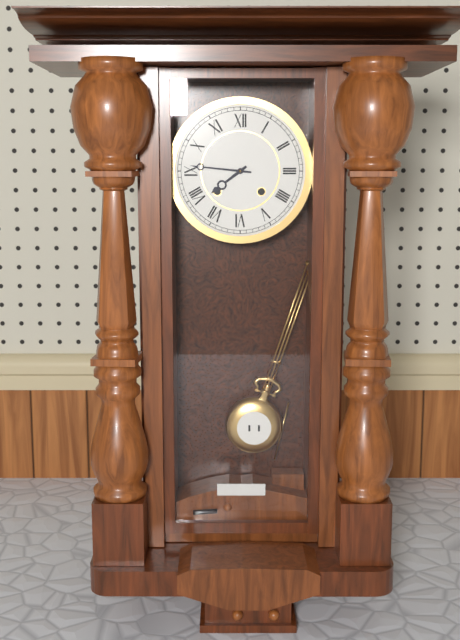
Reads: 7 h 46 min
